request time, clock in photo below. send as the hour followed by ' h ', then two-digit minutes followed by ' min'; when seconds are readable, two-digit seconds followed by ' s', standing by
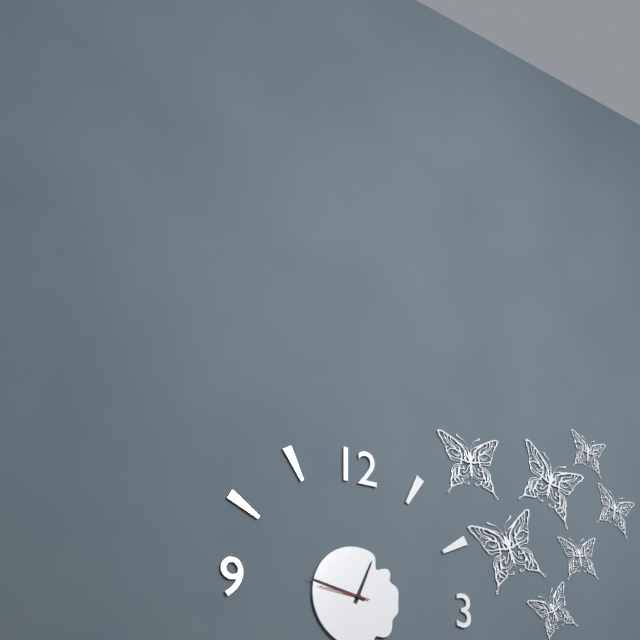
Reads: 12 h 47 min 46 s
